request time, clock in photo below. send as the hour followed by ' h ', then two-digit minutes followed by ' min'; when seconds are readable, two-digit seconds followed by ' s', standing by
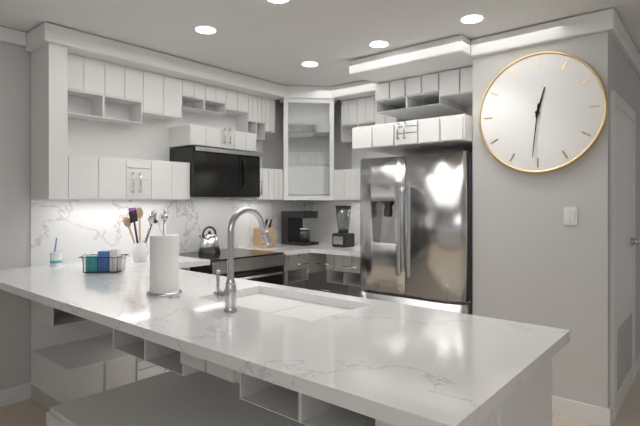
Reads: 12 h 31 min
